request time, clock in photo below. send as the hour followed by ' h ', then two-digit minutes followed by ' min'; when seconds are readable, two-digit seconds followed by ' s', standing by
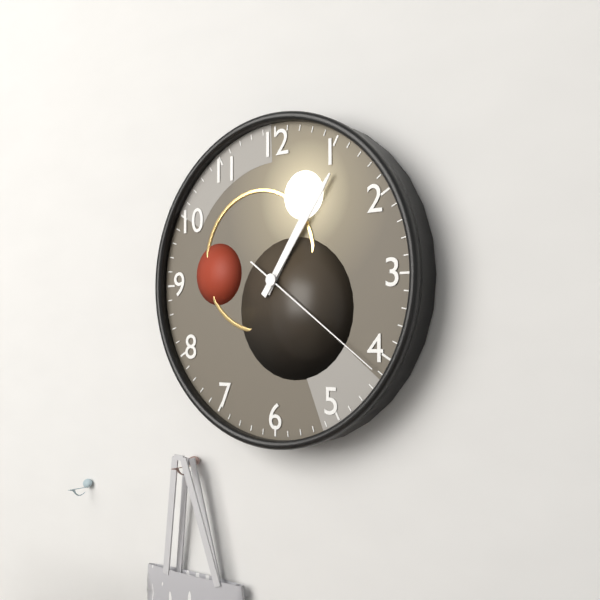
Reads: 1 h 06 min 21 s
